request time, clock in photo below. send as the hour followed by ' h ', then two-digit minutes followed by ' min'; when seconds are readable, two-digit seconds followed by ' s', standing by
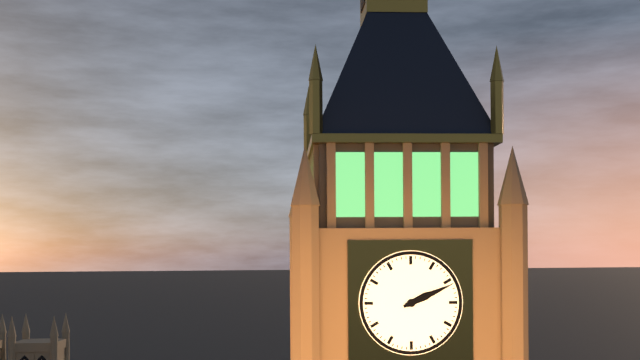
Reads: 2 h 11 min
